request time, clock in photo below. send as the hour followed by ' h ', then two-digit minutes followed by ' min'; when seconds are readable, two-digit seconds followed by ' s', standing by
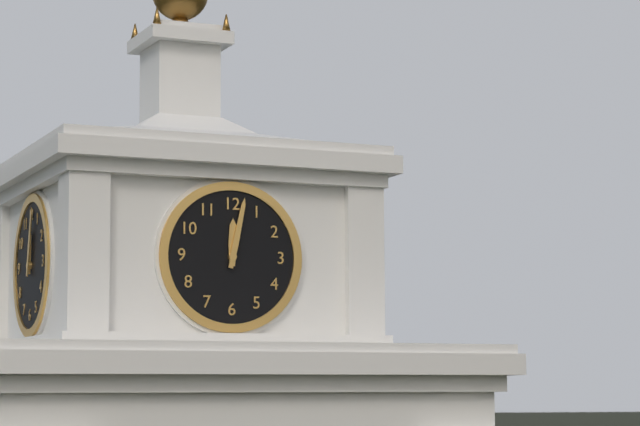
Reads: 12 h 02 min
